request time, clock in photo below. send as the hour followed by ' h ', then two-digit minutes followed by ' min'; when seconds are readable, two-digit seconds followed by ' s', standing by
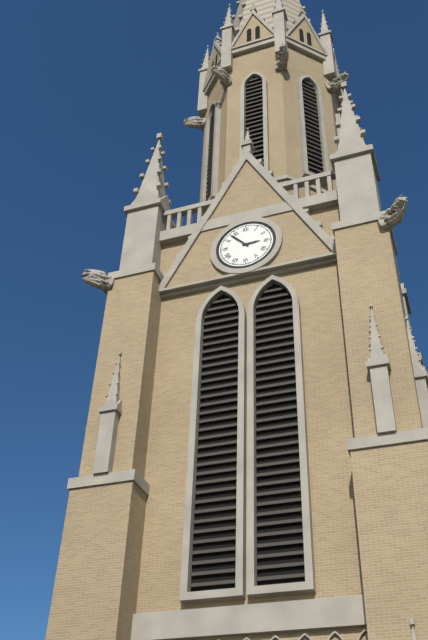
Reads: 2 h 53 min
